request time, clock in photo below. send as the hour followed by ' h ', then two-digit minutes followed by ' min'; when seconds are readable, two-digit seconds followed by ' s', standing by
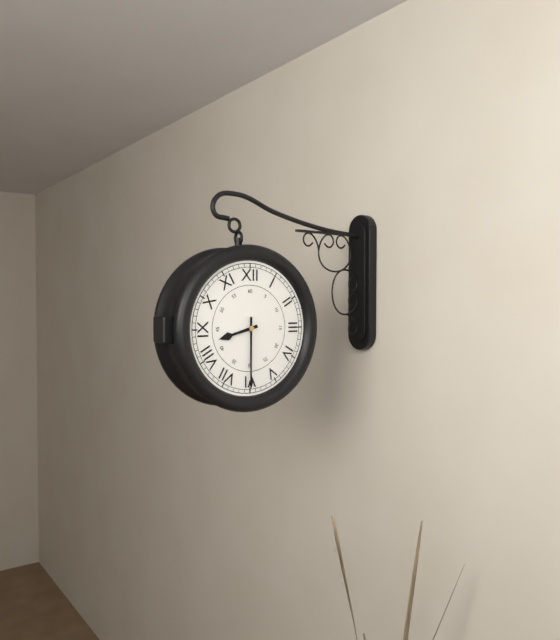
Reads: 8 h 30 min
